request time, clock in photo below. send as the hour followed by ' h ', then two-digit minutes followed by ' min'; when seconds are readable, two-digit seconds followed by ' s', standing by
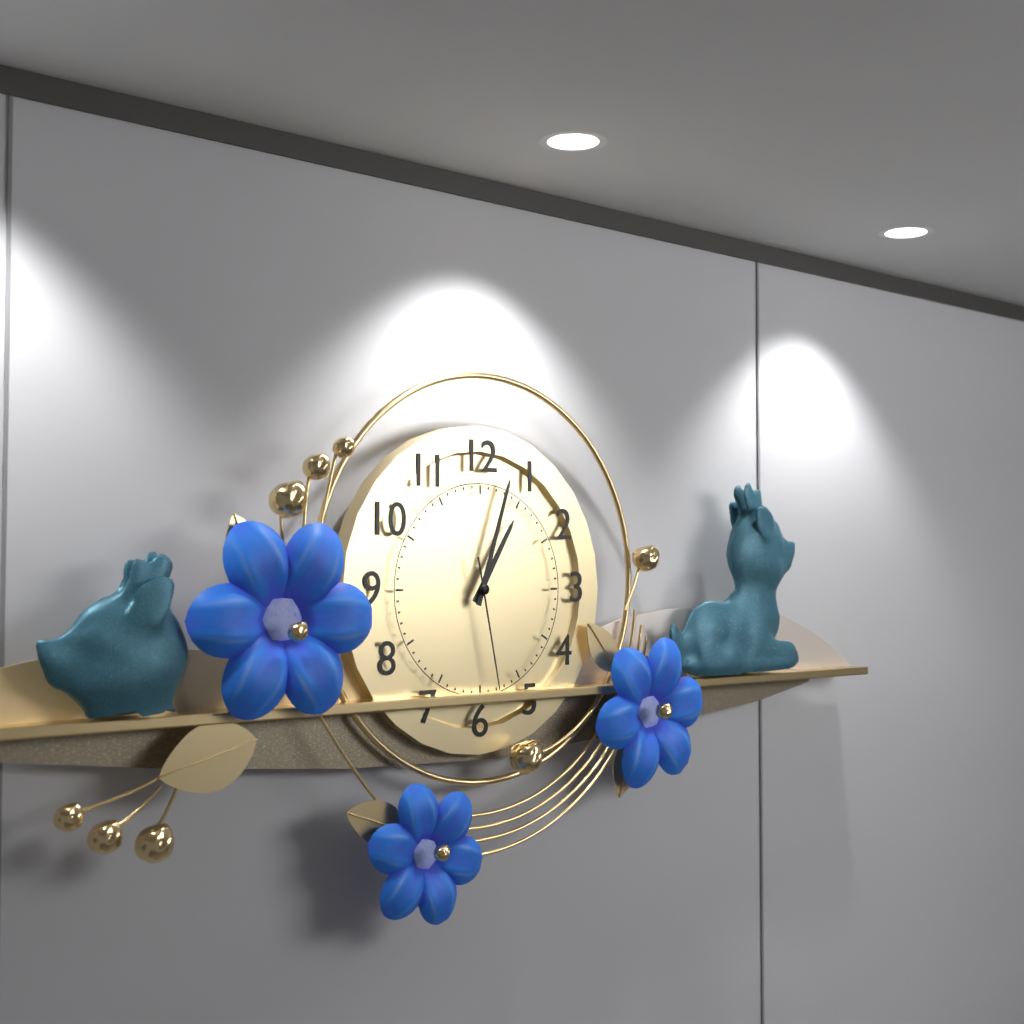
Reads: 1 h 03 min 28 s
